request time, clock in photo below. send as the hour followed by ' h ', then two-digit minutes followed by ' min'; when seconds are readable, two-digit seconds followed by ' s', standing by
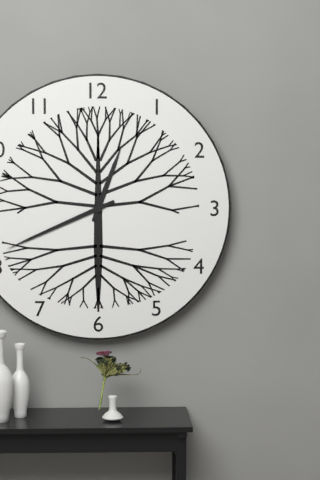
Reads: 12 h 41 min
